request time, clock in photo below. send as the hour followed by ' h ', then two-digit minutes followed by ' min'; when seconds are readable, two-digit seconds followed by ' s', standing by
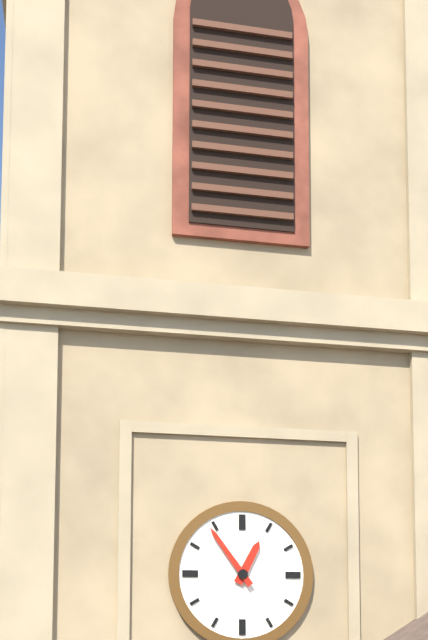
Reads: 12 h 54 min
